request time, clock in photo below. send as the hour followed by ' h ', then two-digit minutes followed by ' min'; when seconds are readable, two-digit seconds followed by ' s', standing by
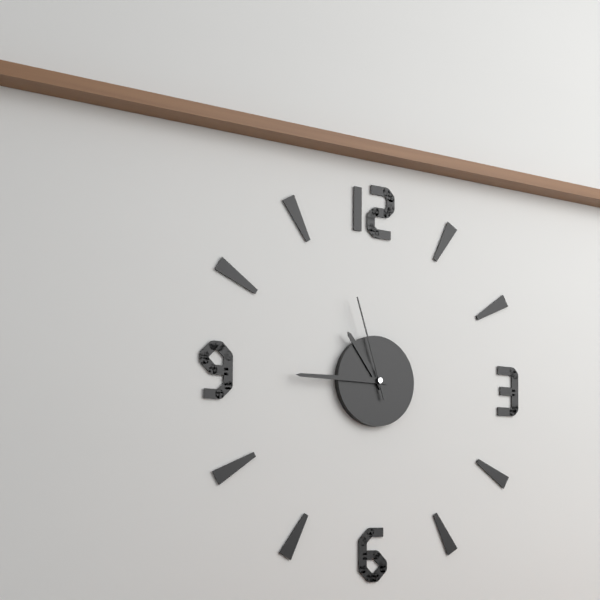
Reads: 10 h 45 min 57 s
